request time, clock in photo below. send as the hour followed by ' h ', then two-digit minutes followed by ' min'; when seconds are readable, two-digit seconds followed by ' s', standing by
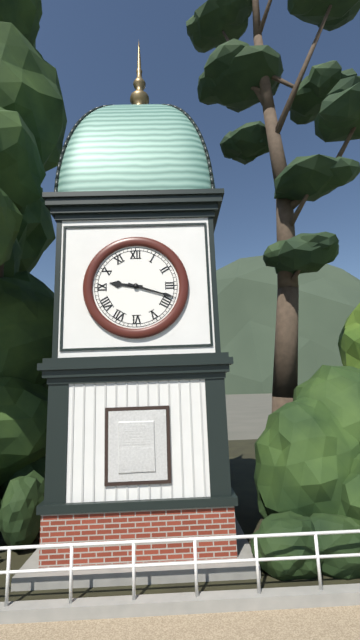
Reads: 9 h 18 min
